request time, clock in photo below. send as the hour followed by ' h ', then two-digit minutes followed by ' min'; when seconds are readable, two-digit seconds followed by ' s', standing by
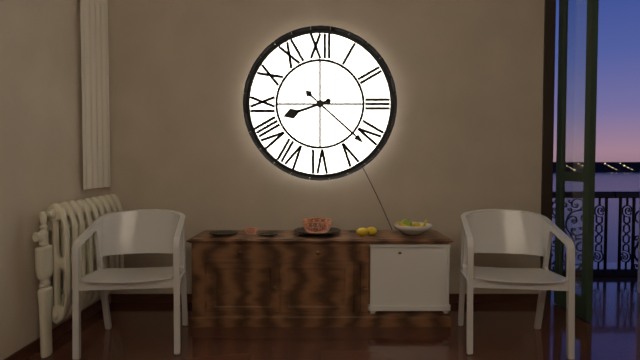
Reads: 8 h 22 min
